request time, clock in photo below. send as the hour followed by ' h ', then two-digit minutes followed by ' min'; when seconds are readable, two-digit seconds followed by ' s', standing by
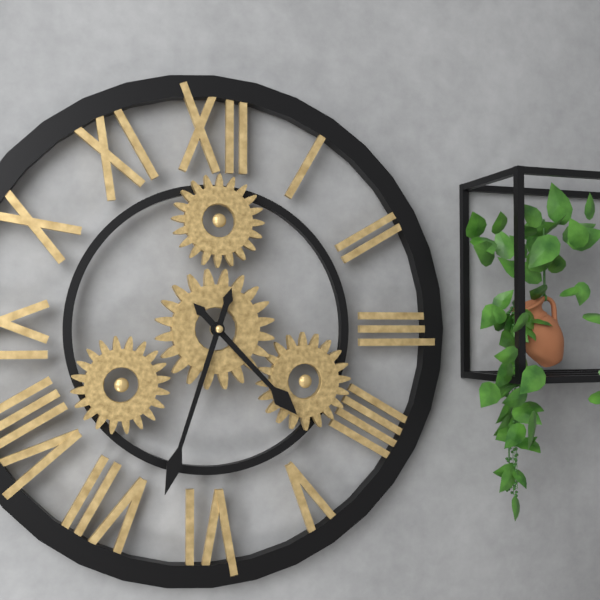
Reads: 4 h 33 min
